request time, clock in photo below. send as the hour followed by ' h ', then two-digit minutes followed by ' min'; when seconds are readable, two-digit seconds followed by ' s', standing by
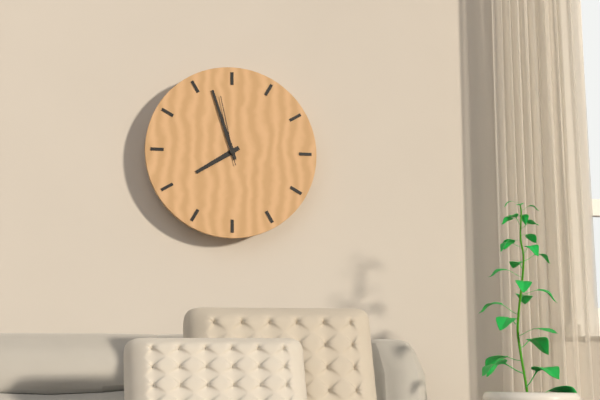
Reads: 7 h 57 min 58 s
